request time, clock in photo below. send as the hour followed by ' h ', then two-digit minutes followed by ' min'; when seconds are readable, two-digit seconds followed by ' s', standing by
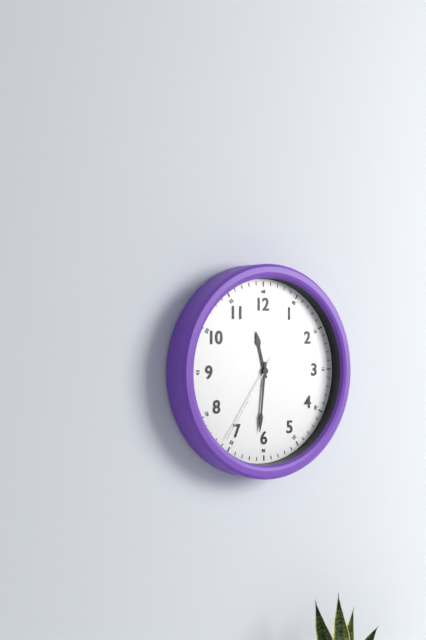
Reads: 11 h 31 min 36 s
